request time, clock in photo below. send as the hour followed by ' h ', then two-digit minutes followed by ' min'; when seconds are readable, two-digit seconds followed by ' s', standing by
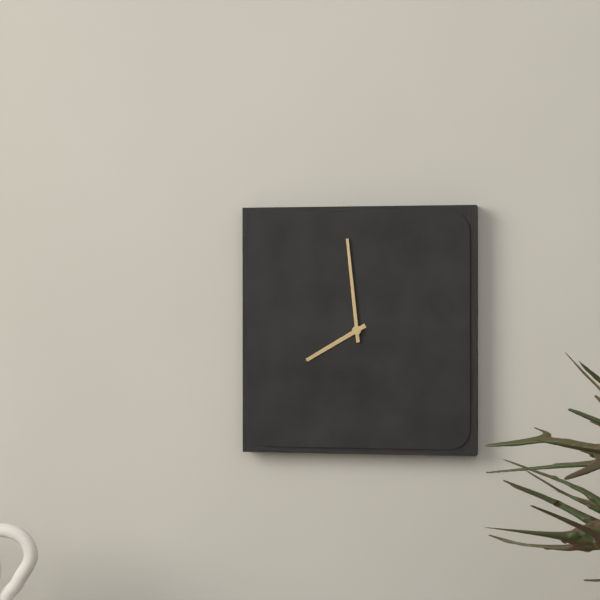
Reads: 7 h 59 min
